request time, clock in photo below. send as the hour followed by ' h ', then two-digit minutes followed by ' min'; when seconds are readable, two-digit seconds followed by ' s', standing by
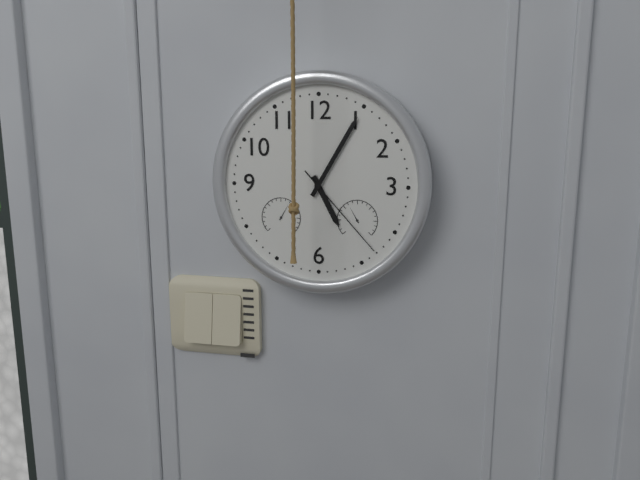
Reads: 5 h 05 min 23 s
